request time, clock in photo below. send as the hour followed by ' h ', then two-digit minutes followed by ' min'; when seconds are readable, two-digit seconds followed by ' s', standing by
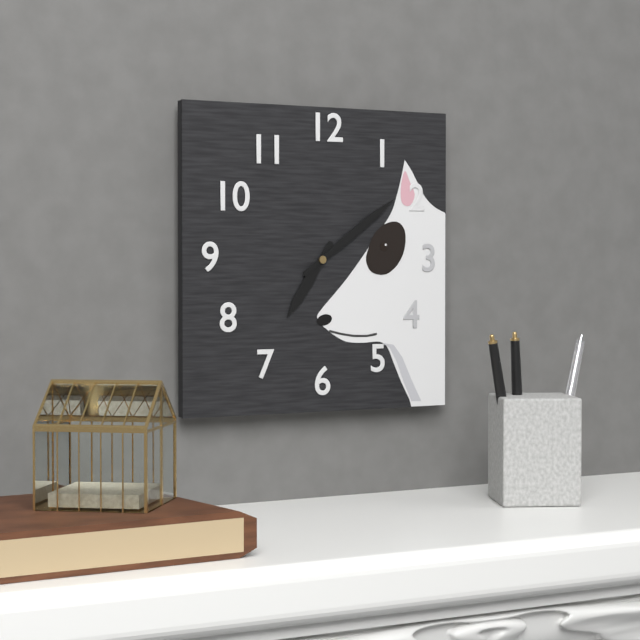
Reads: 7 h 09 min
